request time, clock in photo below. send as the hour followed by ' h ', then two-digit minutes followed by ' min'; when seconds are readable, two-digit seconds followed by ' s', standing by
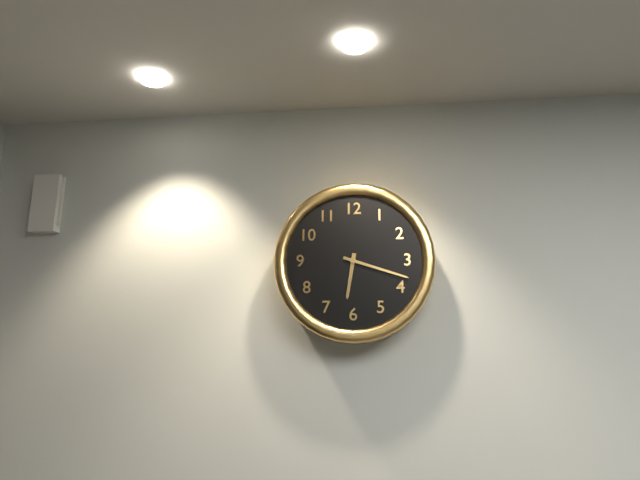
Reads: 6 h 18 min
